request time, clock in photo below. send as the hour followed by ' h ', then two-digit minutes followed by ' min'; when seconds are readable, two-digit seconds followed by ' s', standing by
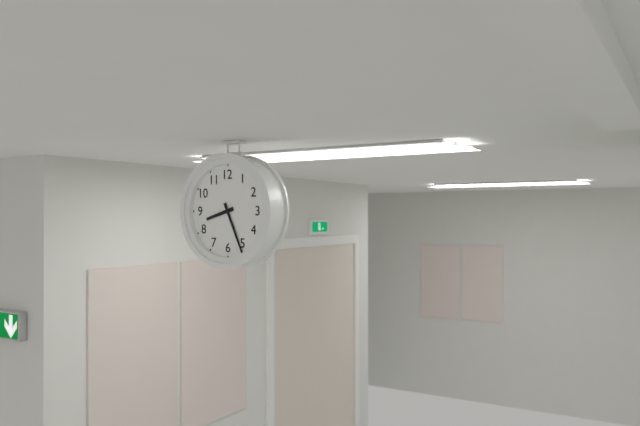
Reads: 8 h 26 min
